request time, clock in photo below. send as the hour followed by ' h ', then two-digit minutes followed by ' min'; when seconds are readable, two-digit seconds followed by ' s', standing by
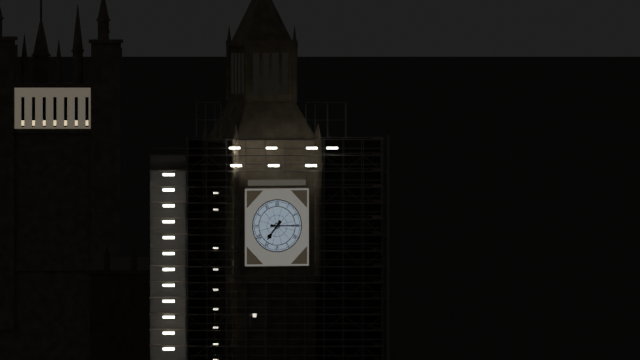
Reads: 7 h 15 min
